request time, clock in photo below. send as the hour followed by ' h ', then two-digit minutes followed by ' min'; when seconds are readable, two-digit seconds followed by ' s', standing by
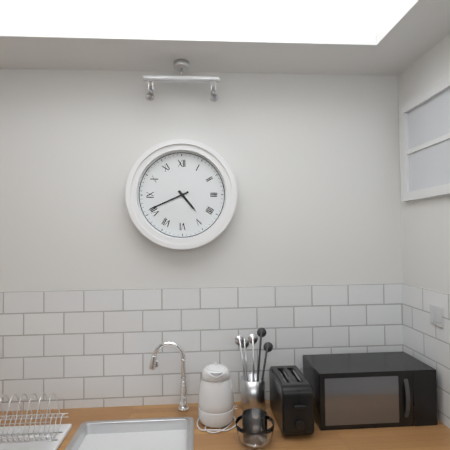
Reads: 4 h 41 min
